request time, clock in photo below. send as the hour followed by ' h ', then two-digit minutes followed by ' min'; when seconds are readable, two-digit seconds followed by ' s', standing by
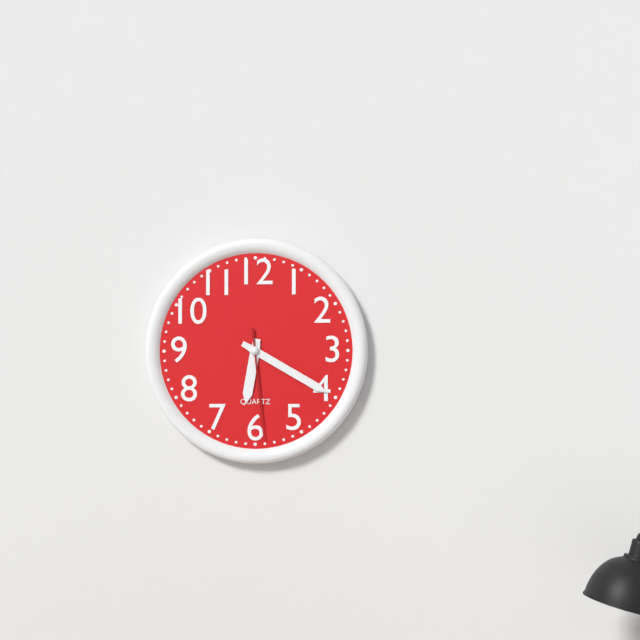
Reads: 6 h 20 min 29 s
